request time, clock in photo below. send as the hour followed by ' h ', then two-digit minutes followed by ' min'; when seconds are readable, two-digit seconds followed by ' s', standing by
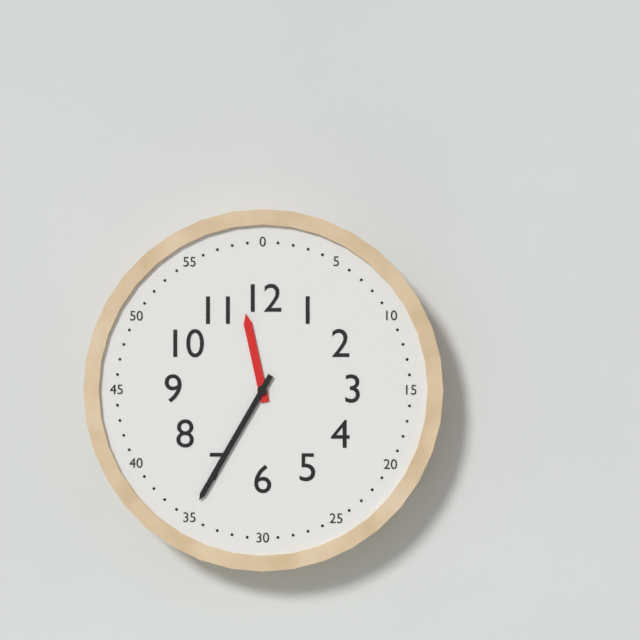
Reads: 11 h 35 min
